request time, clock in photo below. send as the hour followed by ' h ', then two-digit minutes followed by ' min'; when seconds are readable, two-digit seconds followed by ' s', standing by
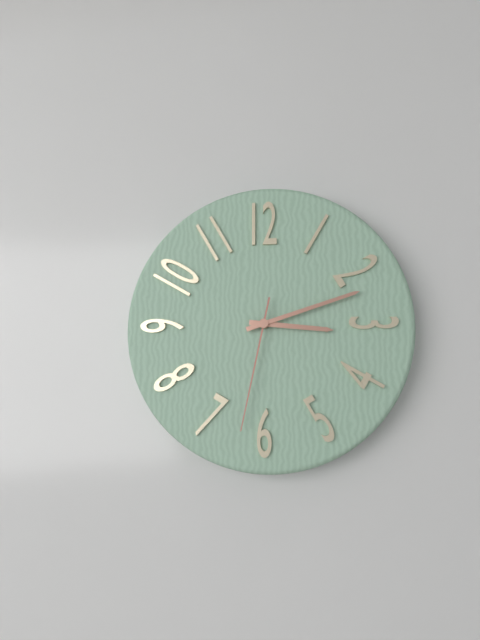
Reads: 3 h 12 min 32 s
